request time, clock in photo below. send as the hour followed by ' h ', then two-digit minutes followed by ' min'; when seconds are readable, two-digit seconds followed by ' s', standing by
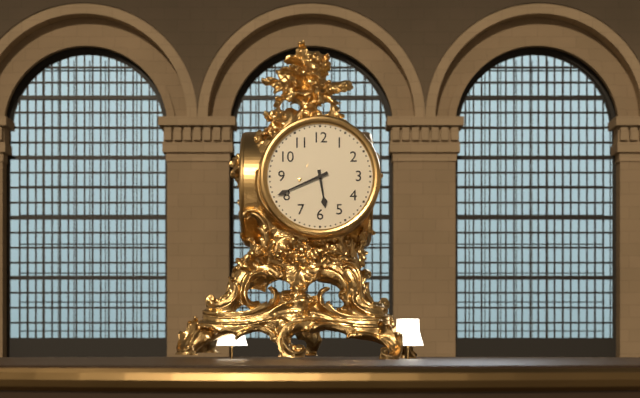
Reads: 5 h 41 min
